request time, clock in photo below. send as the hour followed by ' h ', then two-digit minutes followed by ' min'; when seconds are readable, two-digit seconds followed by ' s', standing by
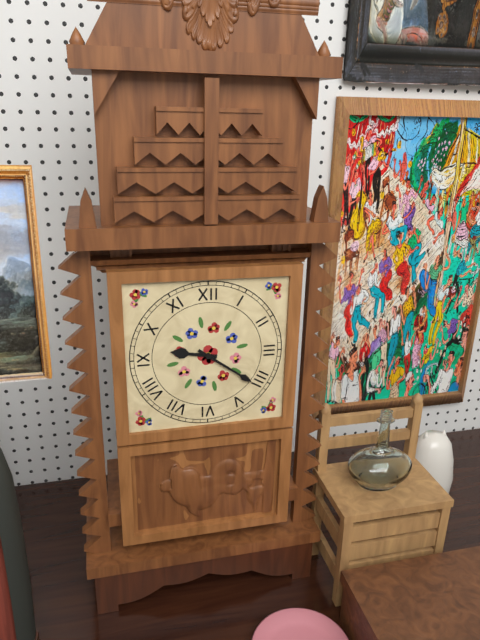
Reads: 9 h 21 min
